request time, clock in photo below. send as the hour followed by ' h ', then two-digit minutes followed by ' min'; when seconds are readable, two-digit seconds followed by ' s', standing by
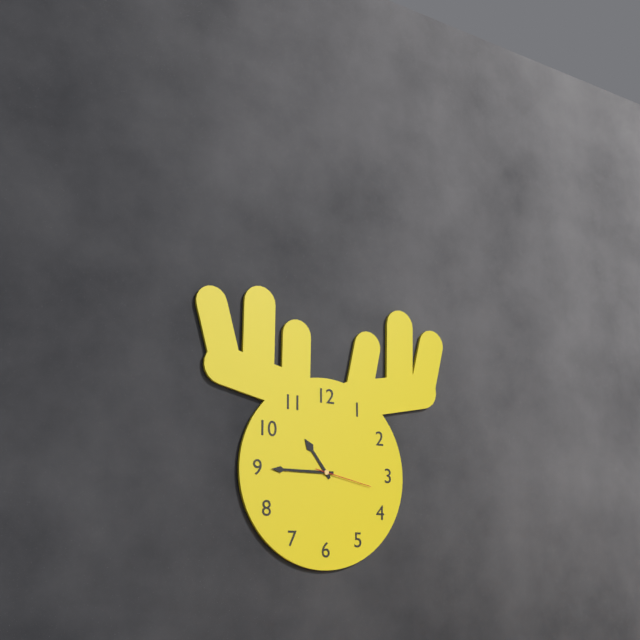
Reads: 10 h 45 min 17 s
